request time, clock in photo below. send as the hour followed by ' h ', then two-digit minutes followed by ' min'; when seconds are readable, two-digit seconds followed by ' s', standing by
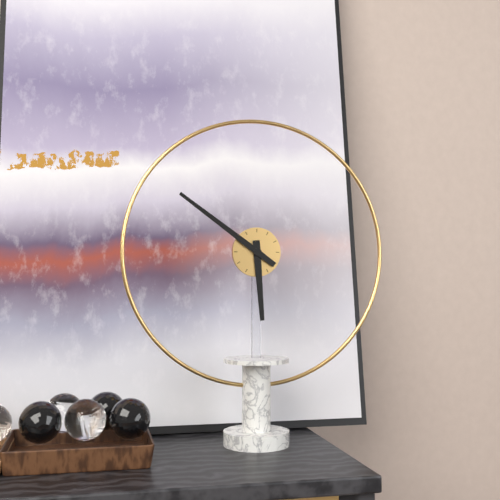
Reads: 5 h 51 min
